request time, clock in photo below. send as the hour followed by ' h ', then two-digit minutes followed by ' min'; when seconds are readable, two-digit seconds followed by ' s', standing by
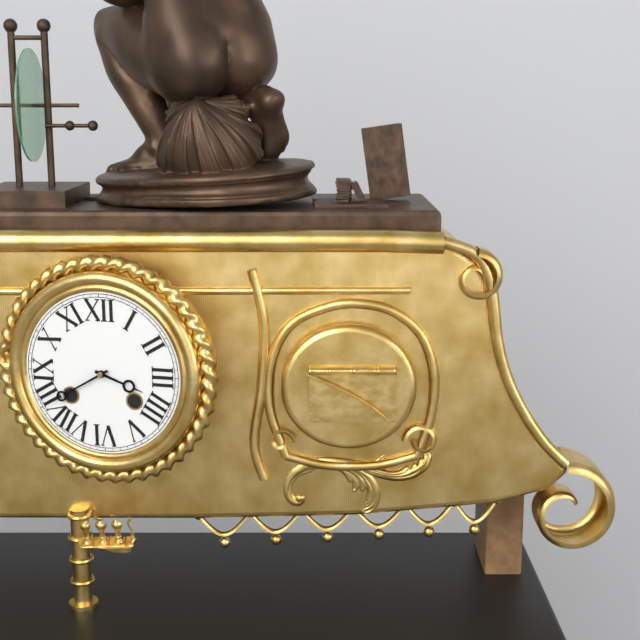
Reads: 3 h 40 min
